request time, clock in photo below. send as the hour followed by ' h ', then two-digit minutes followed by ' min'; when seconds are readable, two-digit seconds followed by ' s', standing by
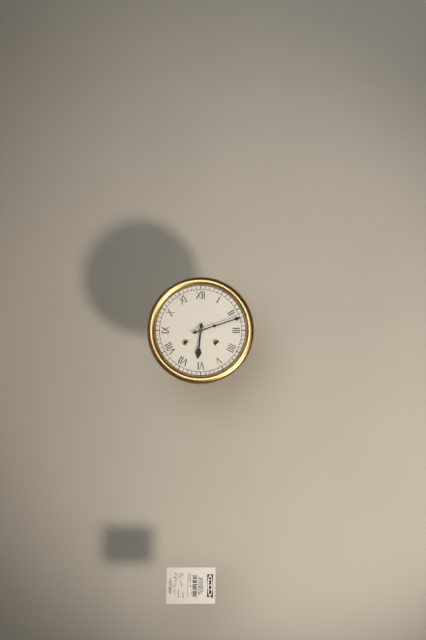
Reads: 6 h 12 min
